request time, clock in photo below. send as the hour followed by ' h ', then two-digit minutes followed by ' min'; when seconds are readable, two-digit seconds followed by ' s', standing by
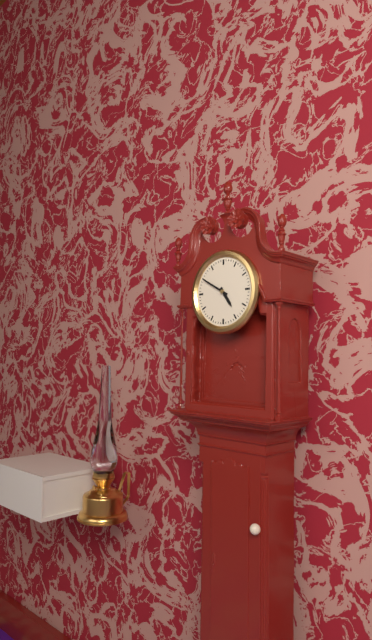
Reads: 4 h 50 min
